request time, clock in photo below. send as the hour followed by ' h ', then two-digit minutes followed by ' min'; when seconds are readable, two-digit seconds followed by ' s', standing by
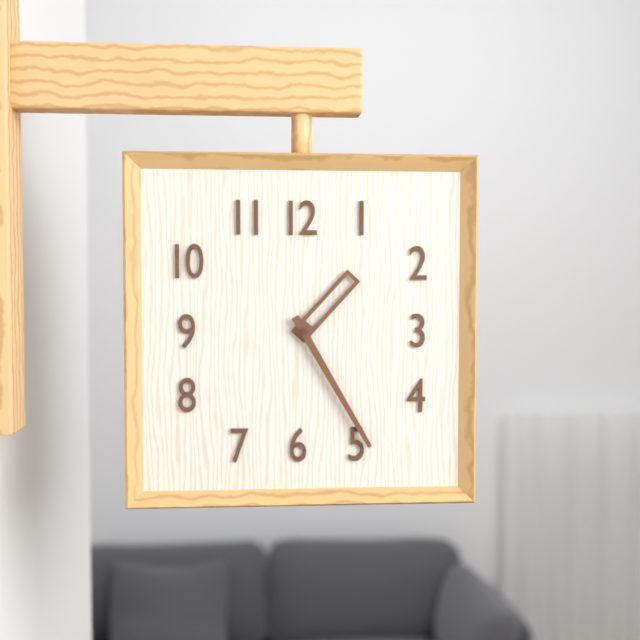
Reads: 1 h 25 min
